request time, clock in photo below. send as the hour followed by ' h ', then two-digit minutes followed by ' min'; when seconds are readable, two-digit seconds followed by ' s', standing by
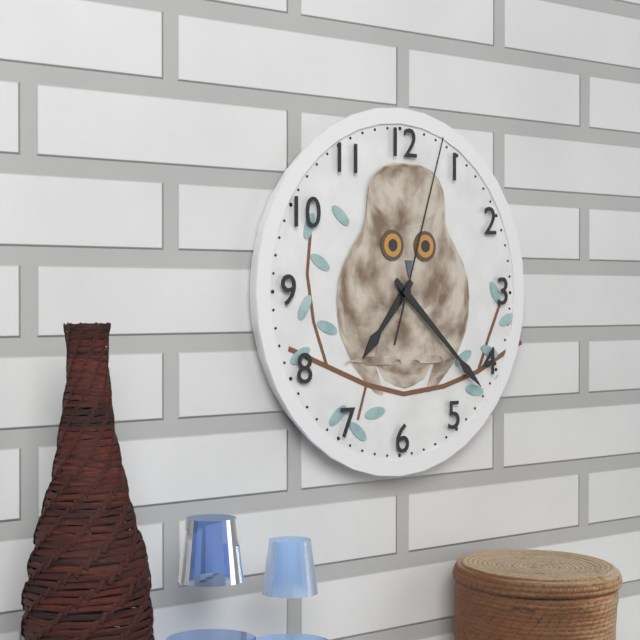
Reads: 7 h 22 min 03 s
